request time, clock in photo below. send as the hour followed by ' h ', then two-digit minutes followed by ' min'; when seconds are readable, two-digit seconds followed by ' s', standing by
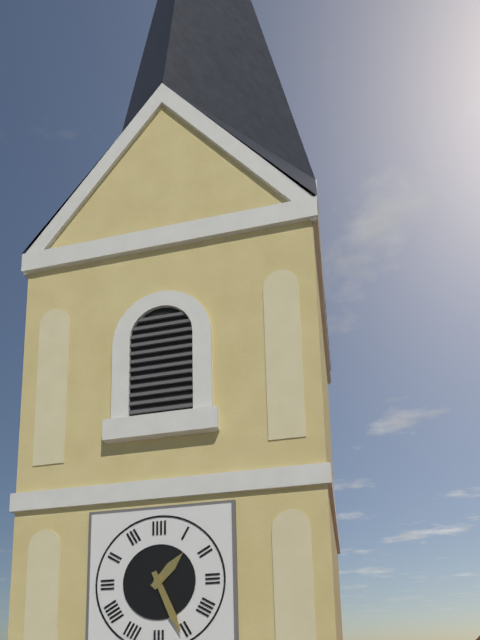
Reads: 1 h 26 min
